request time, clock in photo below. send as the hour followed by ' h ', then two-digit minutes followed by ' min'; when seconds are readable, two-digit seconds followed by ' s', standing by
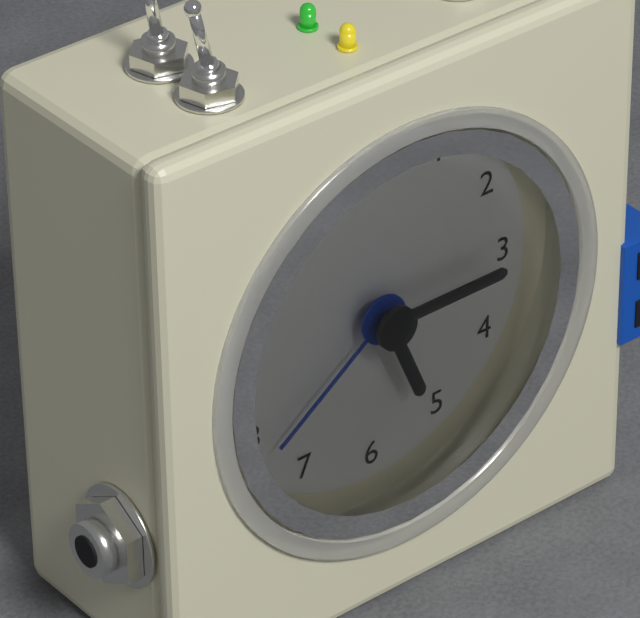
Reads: 5 h 15 min 39 s
